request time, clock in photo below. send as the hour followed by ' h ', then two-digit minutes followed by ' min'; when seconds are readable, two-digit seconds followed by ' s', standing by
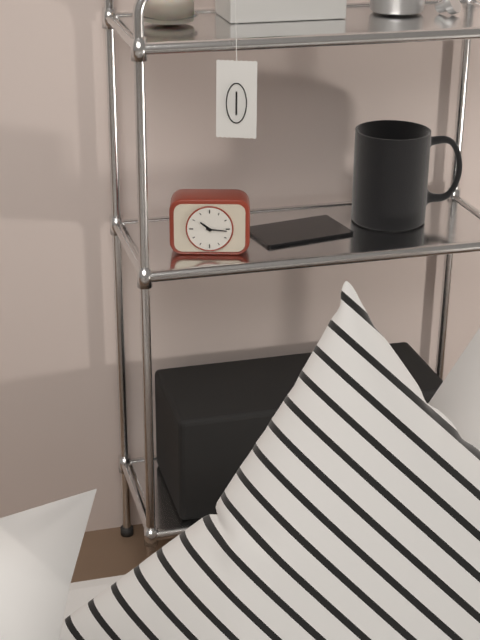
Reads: 10 h 16 min
